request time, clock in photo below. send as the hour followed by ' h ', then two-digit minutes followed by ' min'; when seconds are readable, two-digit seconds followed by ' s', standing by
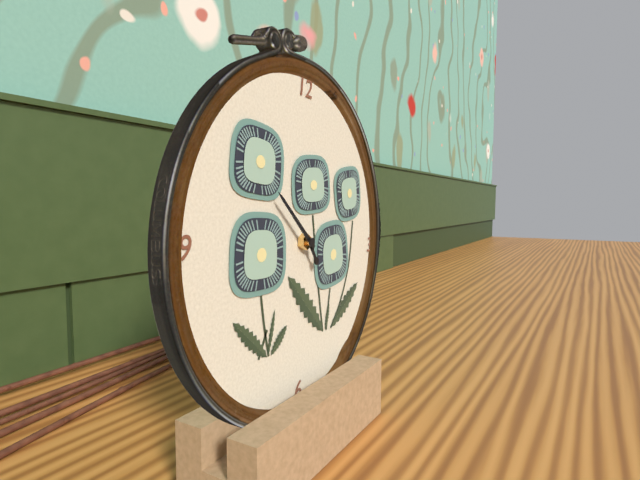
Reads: 4 h 52 min
